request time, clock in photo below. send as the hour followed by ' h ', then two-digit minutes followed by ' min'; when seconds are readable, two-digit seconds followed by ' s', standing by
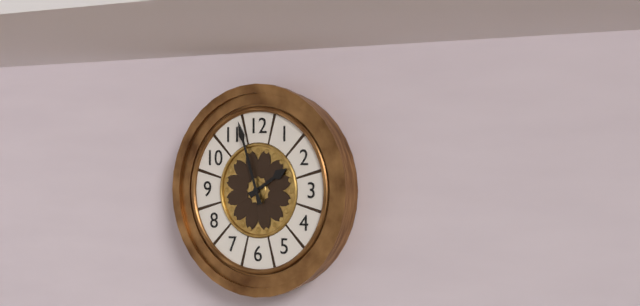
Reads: 1 h 57 min
